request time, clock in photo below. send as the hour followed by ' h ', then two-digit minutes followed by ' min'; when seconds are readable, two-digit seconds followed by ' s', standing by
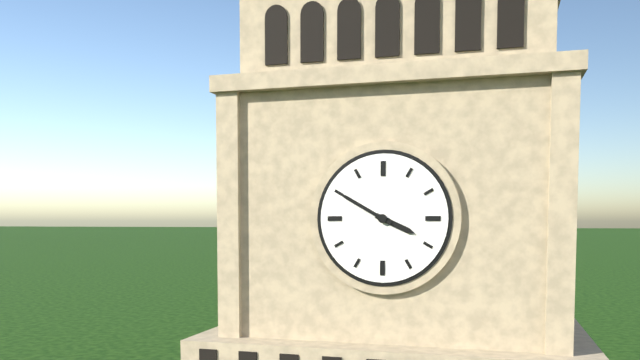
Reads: 3 h 50 min
